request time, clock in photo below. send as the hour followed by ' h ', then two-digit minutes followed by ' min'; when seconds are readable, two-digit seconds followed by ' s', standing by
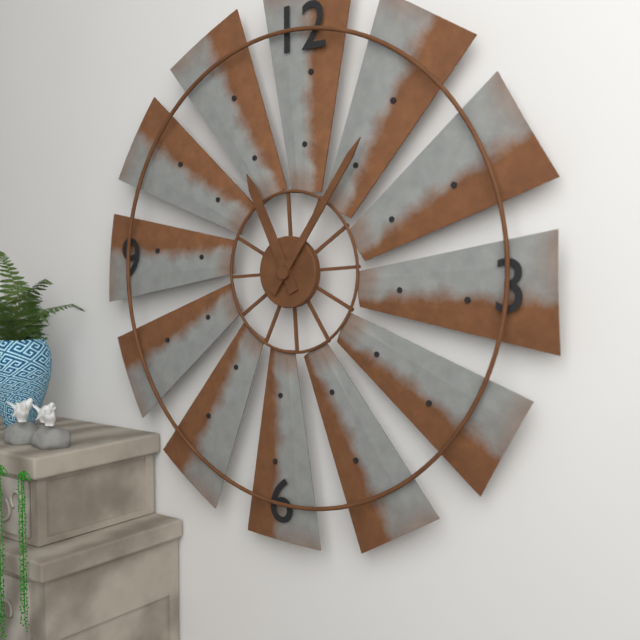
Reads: 11 h 06 min
